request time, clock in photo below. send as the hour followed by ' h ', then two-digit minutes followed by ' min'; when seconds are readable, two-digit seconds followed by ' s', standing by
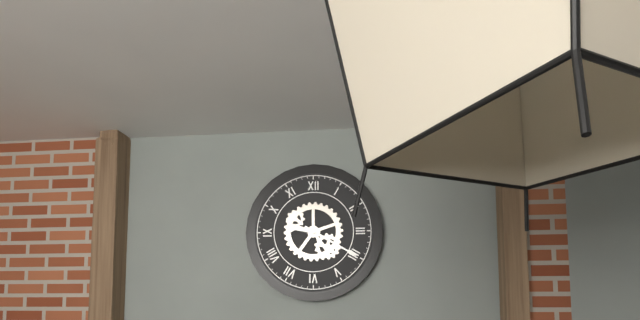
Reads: 9 h 20 min
